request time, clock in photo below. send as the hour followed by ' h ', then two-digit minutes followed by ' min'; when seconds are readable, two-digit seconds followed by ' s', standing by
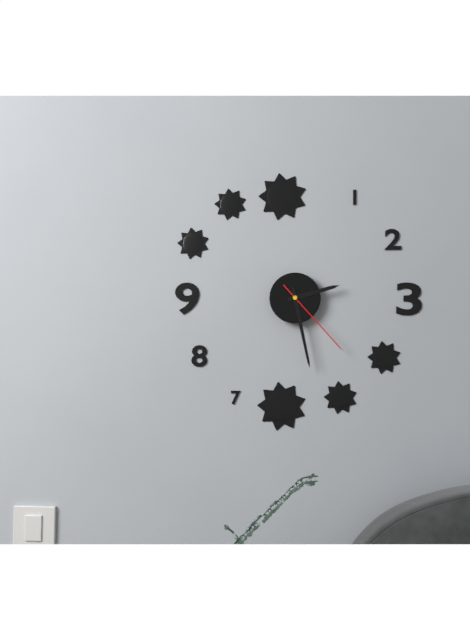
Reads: 2 h 28 min 23 s
